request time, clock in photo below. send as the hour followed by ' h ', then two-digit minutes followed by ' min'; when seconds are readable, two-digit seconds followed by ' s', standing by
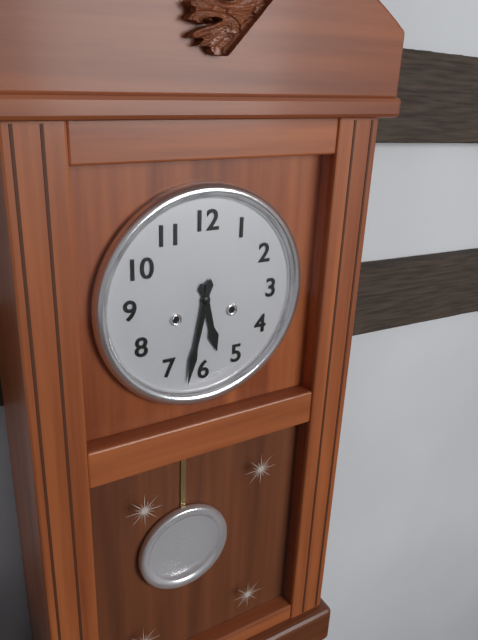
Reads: 5 h 32 min
